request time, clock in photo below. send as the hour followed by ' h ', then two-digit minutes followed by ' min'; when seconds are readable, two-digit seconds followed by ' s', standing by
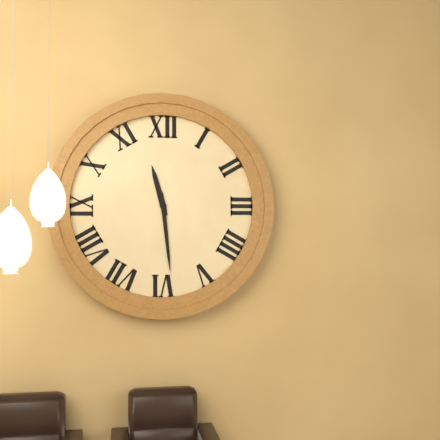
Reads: 11 h 29 min
